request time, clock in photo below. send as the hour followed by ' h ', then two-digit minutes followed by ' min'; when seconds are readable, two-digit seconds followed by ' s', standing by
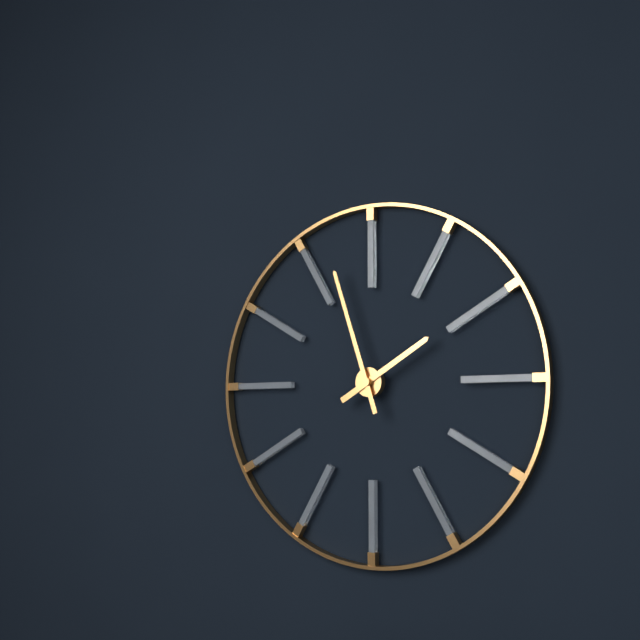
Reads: 1 h 57 min
